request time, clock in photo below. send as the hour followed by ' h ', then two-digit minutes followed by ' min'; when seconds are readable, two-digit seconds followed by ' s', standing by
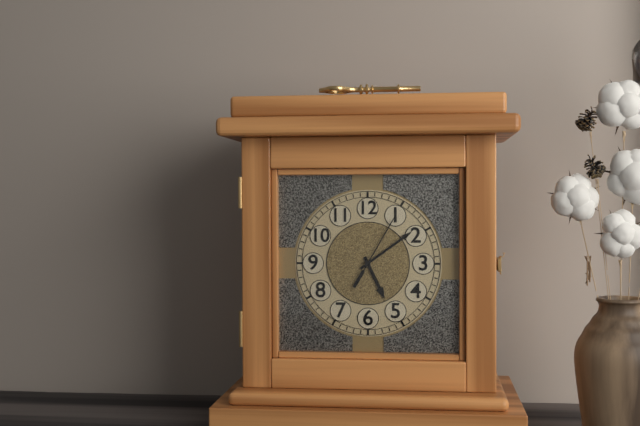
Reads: 5 h 09 min 05 s
